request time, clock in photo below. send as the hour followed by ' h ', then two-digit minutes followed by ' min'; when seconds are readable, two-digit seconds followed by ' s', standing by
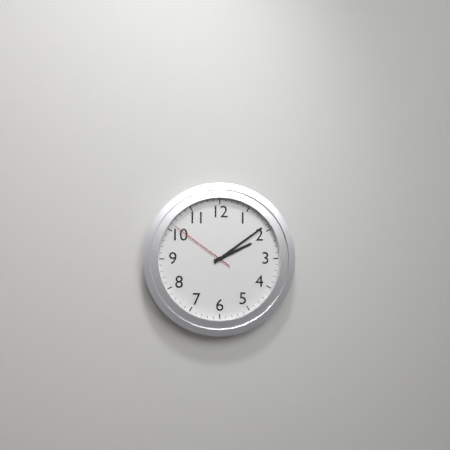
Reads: 2 h 09 min 51 s
